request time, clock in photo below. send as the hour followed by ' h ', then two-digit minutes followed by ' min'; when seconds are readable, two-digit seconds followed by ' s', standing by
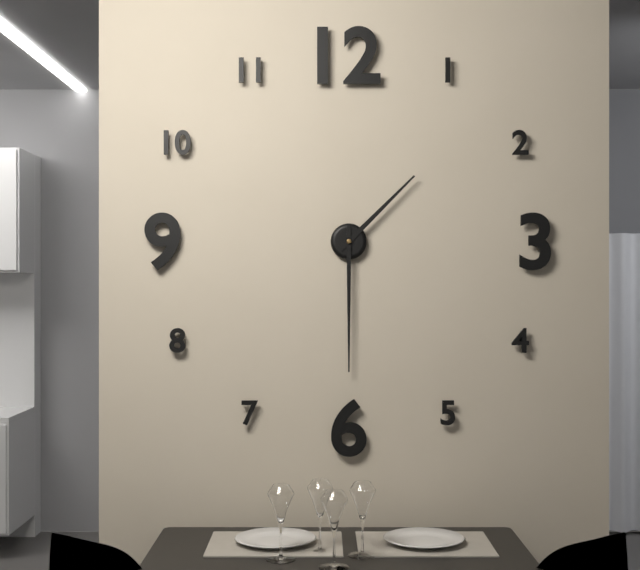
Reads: 1 h 30 min
